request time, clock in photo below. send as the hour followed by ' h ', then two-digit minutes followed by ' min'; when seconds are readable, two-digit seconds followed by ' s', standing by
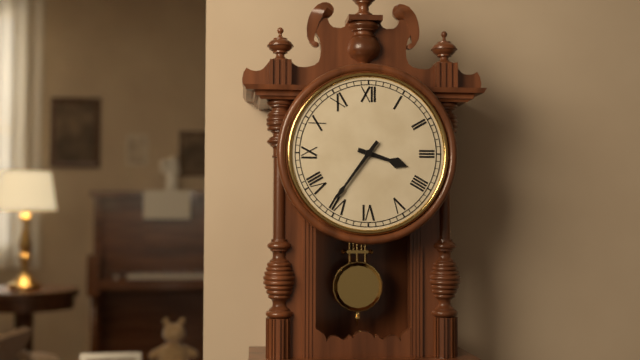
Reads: 3 h 36 min
